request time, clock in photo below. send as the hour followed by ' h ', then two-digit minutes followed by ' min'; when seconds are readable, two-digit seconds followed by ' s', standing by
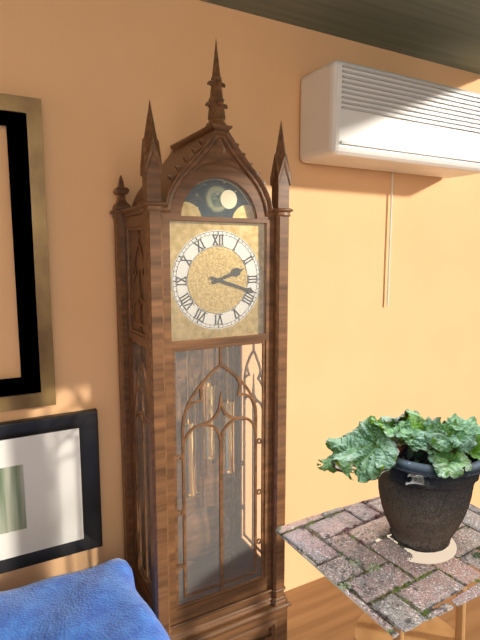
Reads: 2 h 18 min
